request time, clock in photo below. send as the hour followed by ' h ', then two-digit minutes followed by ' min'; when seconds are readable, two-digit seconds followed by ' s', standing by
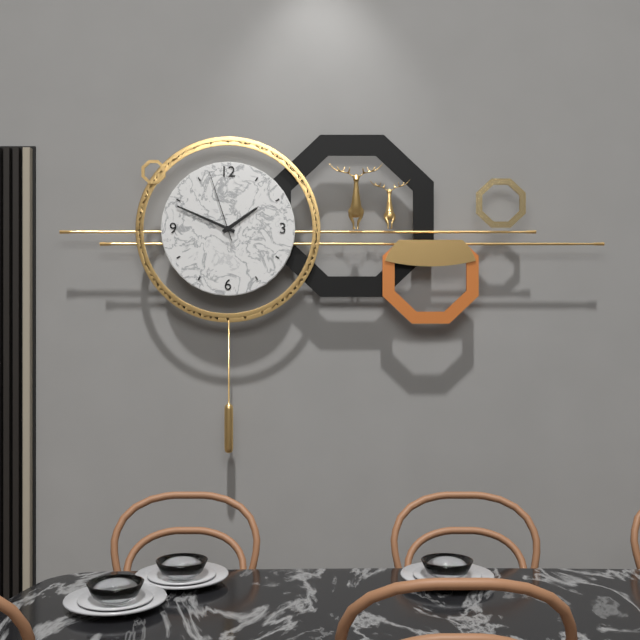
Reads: 1 h 49 min 57 s
